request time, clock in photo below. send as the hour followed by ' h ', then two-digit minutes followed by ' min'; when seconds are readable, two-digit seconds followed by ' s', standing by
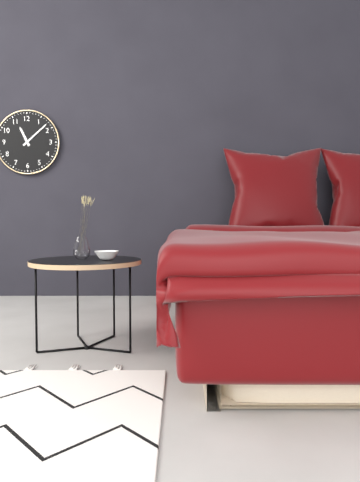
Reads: 11 h 08 min
